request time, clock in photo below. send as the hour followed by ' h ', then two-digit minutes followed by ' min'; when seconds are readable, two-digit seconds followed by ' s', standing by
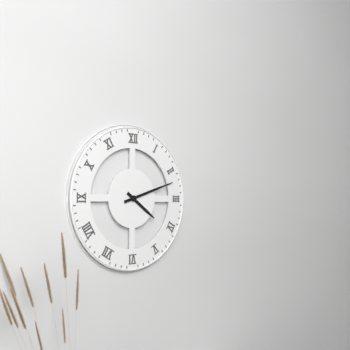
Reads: 4 h 12 min
